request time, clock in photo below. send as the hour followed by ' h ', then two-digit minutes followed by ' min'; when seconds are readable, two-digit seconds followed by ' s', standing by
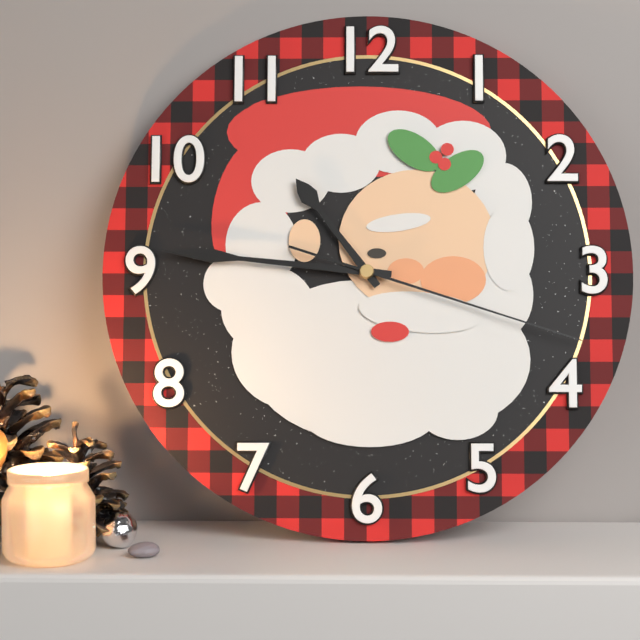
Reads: 10 h 46 min 18 s
